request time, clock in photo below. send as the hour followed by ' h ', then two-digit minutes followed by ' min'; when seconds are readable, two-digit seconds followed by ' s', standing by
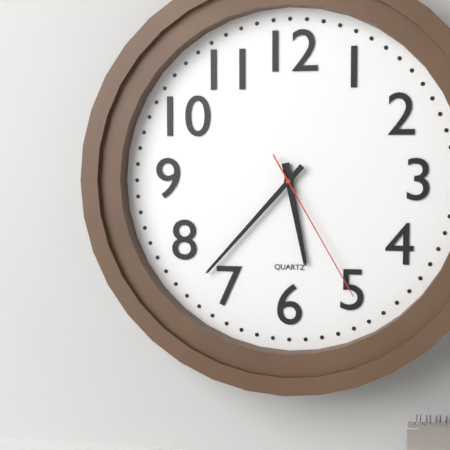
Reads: 5 h 37 min 25 s
